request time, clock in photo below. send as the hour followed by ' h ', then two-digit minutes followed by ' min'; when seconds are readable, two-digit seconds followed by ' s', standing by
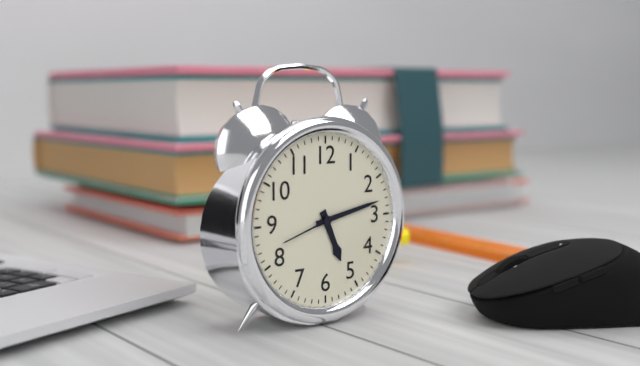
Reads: 5 h 13 min 42 s
